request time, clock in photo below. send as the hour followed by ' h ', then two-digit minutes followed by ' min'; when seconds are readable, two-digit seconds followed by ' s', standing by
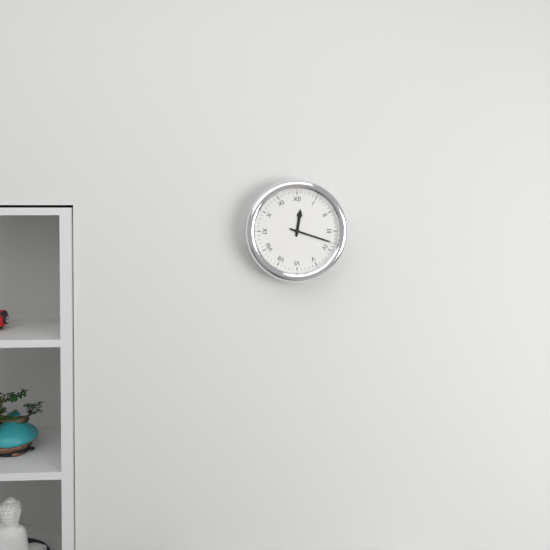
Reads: 12 h 18 min
